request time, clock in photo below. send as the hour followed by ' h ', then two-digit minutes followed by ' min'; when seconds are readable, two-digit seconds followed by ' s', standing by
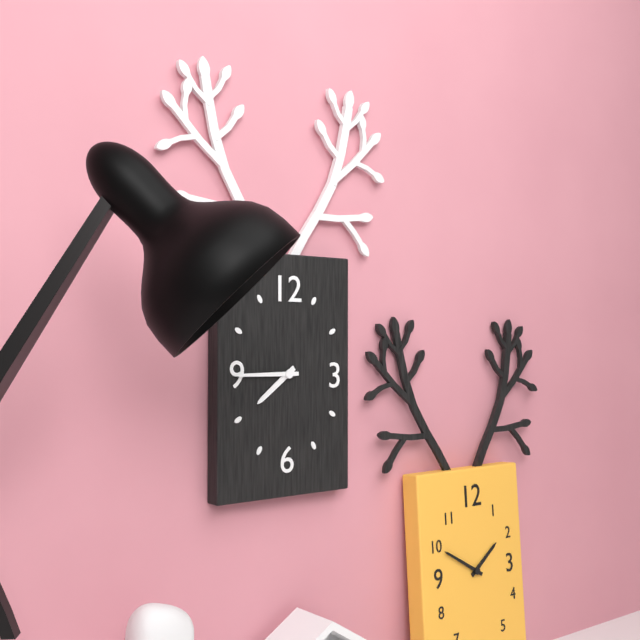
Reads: 7 h 45 min
